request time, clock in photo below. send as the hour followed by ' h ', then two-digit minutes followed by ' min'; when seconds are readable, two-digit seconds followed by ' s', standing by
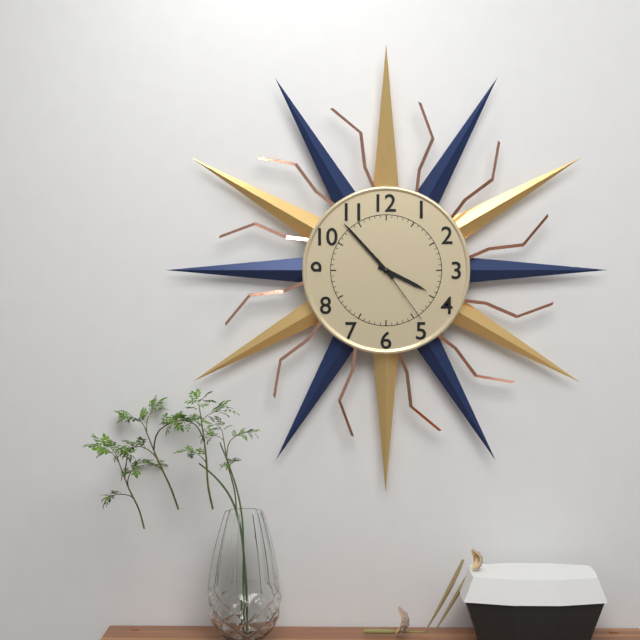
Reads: 3 h 53 min 24 s
